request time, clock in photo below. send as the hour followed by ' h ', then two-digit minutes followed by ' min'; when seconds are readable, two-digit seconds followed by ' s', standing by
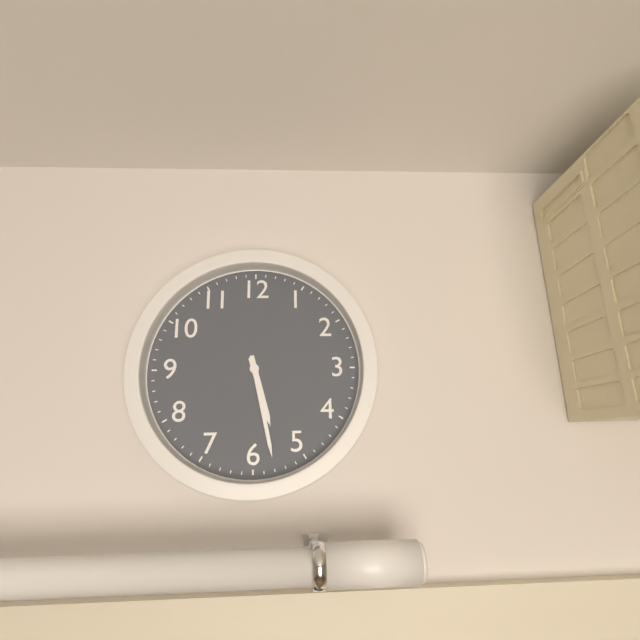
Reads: 5 h 28 min
